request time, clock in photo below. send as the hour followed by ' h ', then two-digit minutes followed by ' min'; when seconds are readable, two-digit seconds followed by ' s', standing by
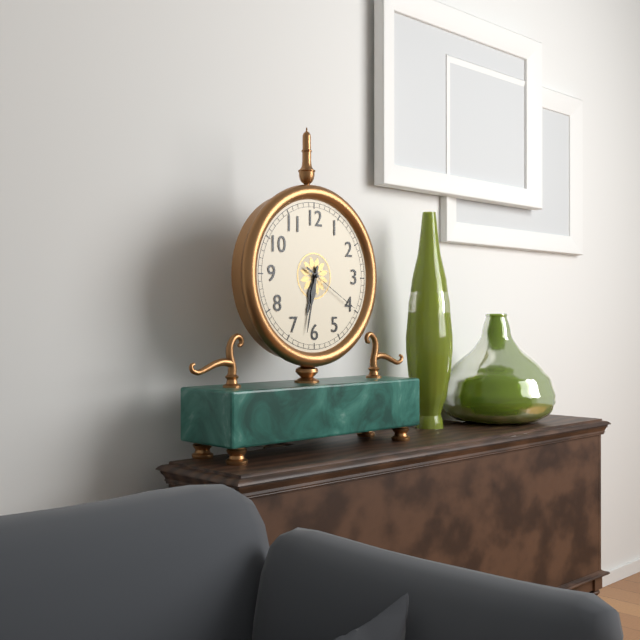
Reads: 6 h 32 min 20 s
